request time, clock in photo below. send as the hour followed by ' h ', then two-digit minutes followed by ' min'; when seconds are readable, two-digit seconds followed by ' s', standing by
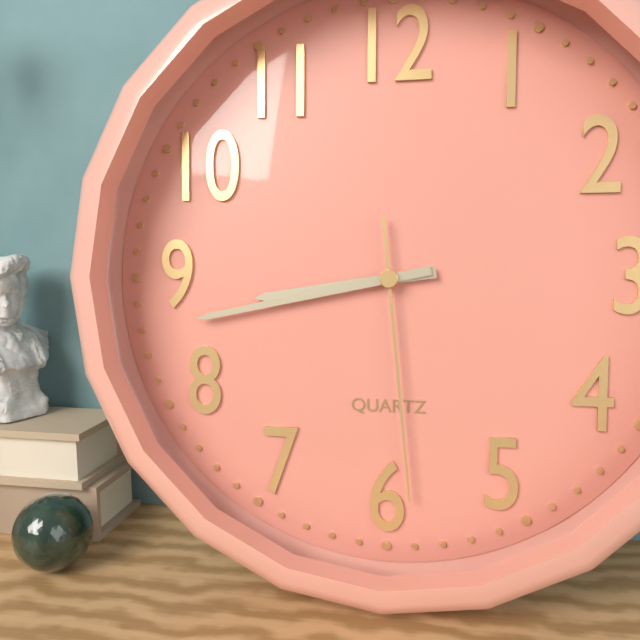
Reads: 8 h 43 min 29 s
